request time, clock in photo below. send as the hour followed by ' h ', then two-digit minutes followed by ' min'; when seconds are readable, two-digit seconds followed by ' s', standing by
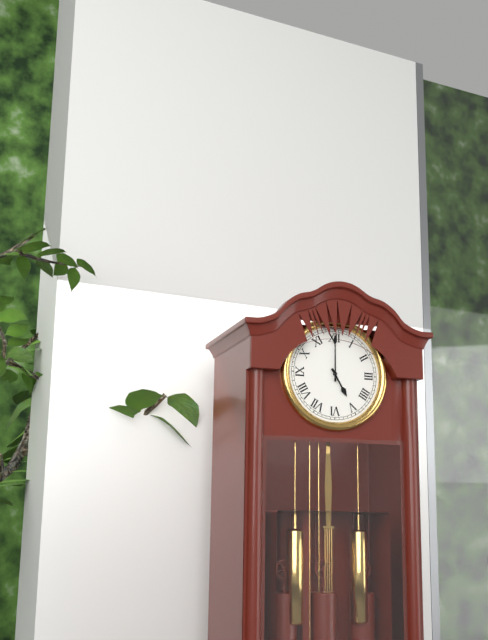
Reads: 5 h 00 min
